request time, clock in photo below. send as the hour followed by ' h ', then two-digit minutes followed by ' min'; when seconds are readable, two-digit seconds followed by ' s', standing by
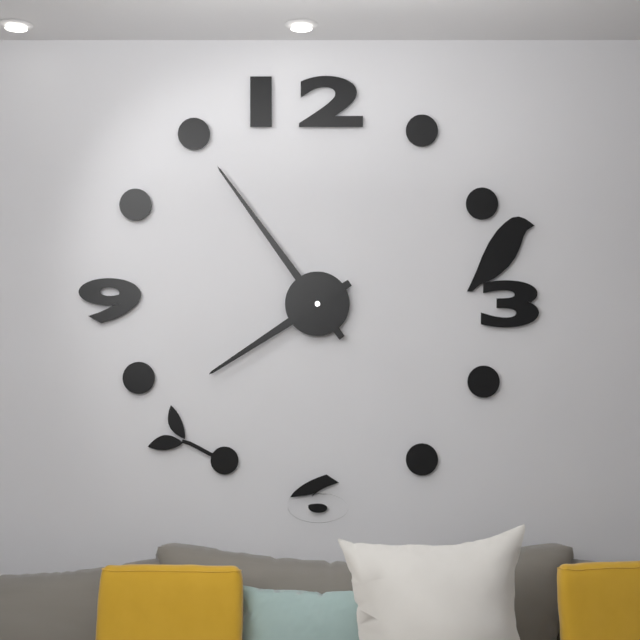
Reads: 7 h 54 min
